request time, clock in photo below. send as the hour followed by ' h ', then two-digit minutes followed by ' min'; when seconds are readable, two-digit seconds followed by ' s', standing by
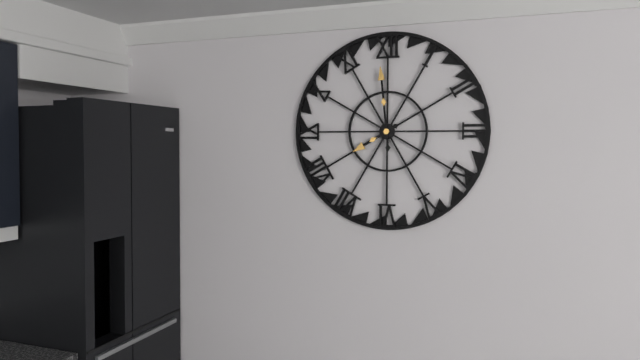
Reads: 7 h 59 min
